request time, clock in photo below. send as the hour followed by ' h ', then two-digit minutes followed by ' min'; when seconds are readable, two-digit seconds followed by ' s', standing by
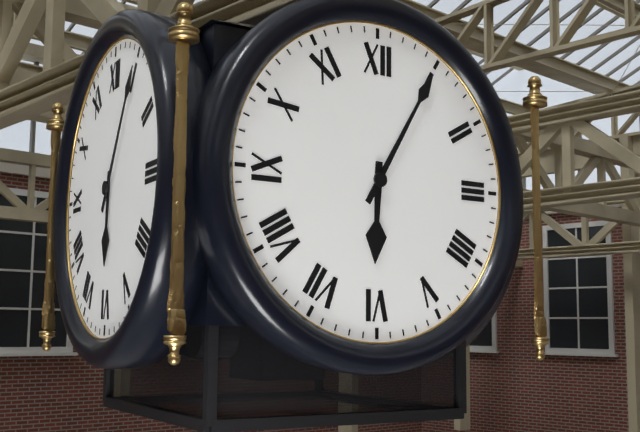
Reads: 6 h 05 min
